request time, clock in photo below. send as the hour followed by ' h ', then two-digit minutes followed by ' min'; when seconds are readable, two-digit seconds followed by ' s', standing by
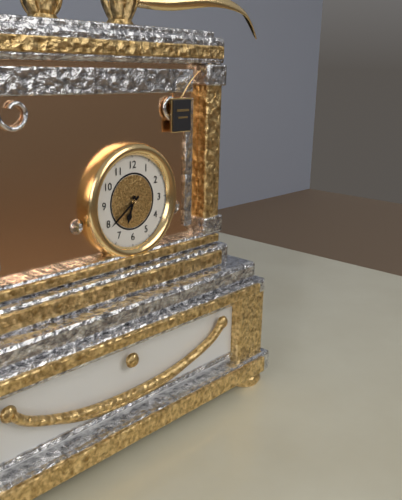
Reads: 6 h 39 min
